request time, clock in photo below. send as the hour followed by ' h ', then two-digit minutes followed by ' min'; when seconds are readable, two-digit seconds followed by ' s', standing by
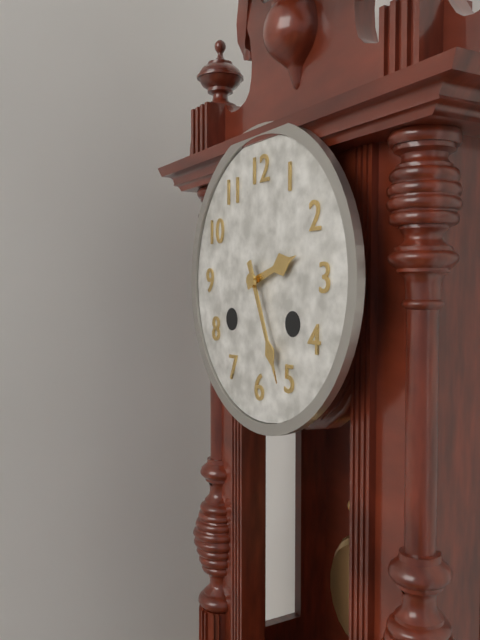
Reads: 2 h 26 min
